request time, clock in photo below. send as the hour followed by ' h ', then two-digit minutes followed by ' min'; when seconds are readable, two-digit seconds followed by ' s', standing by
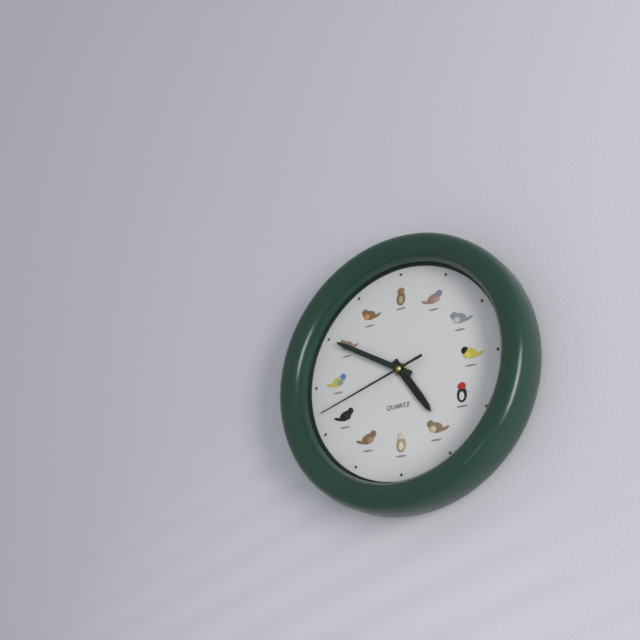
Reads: 4 h 50 min 42 s
